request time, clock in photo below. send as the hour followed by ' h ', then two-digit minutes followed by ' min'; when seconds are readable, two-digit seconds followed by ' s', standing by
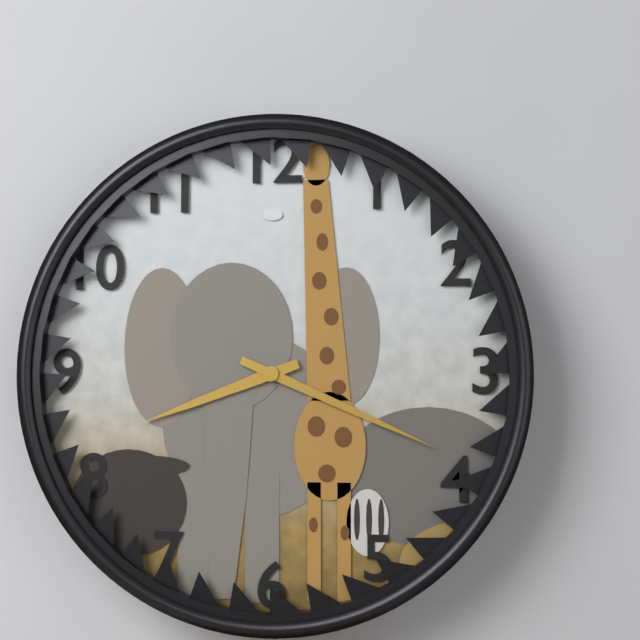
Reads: 8 h 19 min
